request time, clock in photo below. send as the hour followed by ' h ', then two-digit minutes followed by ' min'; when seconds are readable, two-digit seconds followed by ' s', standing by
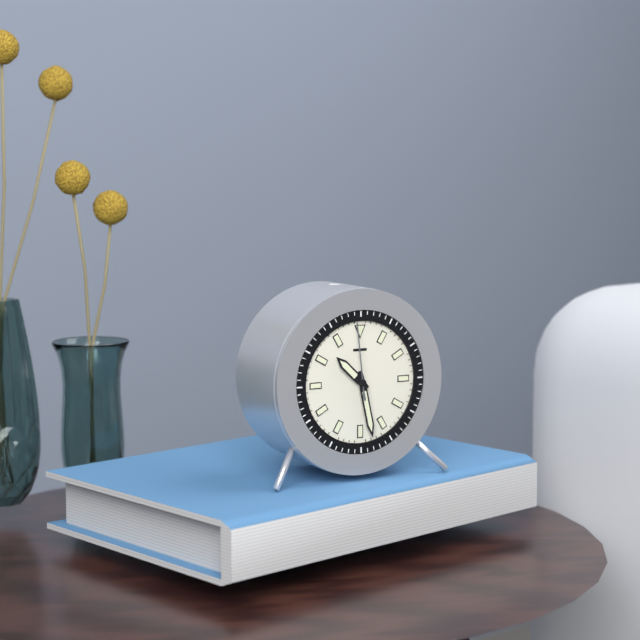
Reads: 10 h 28 min 59 s
